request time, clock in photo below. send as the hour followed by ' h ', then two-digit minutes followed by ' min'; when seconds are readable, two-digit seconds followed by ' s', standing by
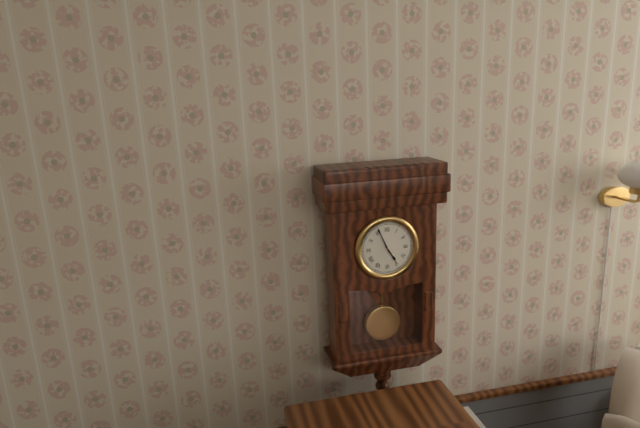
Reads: 4 h 56 min
